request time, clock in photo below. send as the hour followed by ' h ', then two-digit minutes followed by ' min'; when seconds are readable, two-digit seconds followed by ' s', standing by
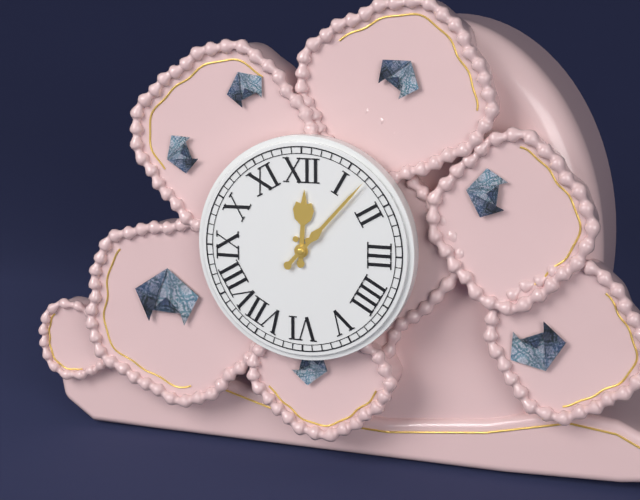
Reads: 12 h 07 min
